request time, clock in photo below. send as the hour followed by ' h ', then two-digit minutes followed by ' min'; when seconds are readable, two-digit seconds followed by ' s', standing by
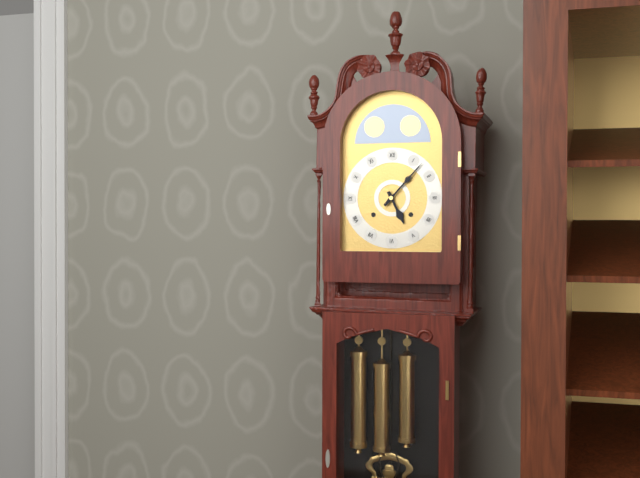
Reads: 5 h 07 min
